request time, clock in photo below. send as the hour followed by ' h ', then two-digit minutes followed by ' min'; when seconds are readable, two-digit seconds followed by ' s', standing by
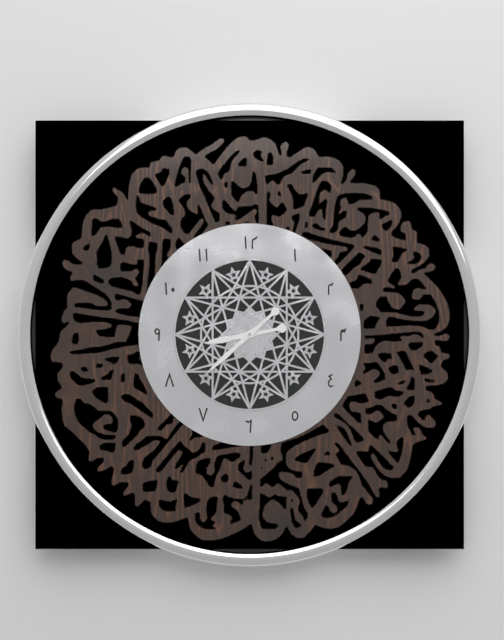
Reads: 8 h 38 min
